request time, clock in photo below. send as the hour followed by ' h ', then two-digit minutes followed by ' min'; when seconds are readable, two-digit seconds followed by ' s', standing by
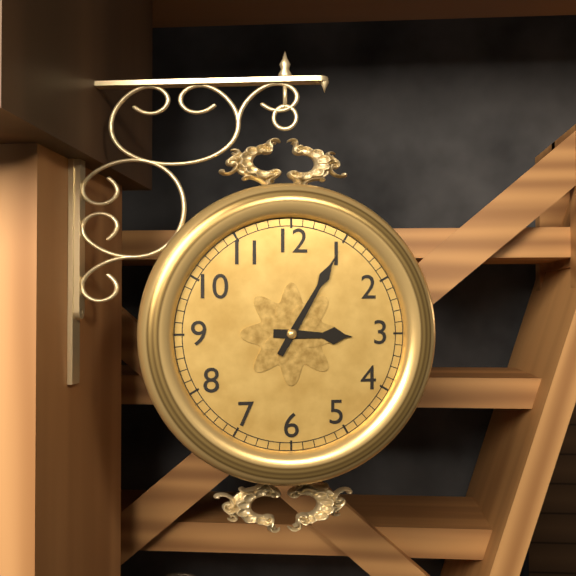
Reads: 3 h 05 min
